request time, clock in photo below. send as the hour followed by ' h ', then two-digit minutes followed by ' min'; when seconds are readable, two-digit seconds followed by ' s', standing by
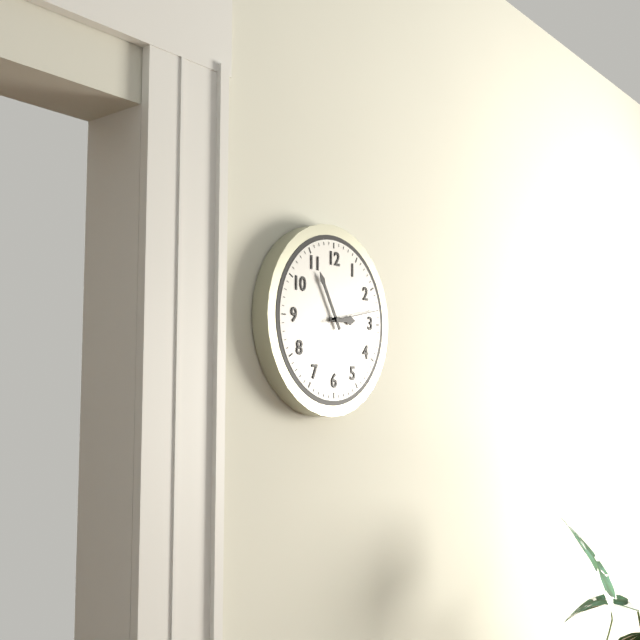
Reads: 2 h 55 min 13 s
